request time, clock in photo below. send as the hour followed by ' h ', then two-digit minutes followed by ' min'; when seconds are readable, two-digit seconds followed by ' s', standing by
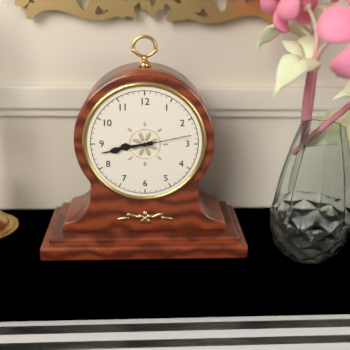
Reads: 8 h 43 min 13 s
